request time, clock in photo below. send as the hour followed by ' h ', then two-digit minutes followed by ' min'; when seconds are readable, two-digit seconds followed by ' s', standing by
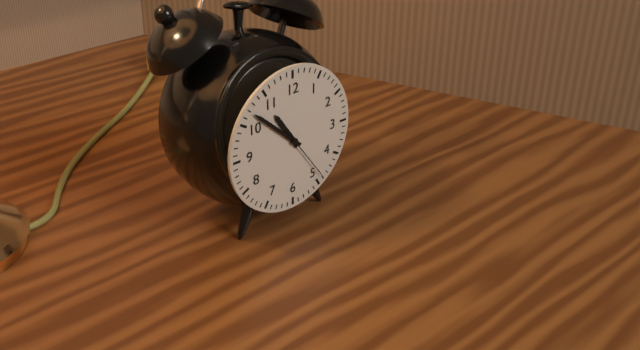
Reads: 10 h 52 min 24 s
